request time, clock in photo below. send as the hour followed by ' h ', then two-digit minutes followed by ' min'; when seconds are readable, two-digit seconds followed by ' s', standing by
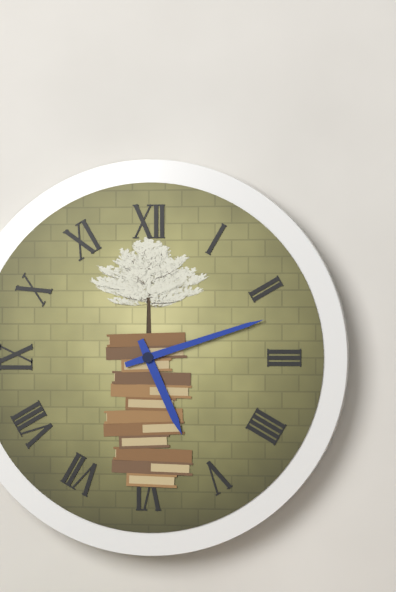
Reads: 5 h 12 min
